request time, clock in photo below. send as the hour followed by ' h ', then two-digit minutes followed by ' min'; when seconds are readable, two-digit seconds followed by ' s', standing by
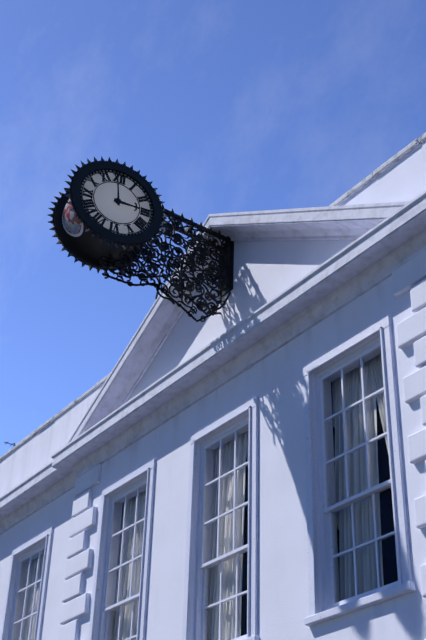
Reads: 2 h 59 min
